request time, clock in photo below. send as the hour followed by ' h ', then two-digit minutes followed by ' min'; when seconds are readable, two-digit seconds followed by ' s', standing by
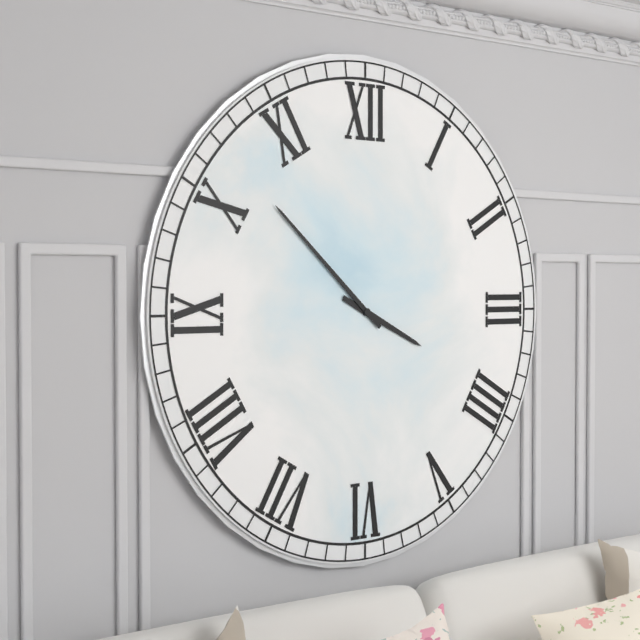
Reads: 3 h 52 min
